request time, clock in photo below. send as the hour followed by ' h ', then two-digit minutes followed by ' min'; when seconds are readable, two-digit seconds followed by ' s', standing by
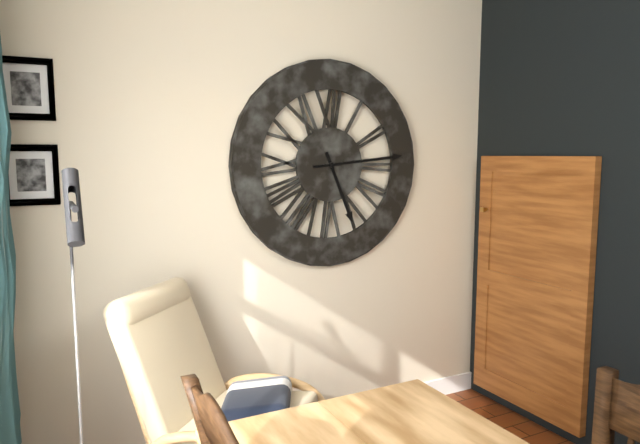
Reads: 5 h 14 min
